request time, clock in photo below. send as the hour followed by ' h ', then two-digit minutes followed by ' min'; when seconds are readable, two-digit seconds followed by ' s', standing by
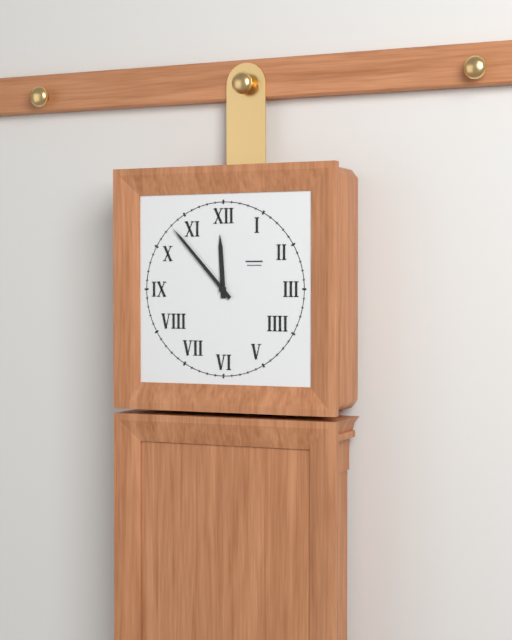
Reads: 11 h 53 min
